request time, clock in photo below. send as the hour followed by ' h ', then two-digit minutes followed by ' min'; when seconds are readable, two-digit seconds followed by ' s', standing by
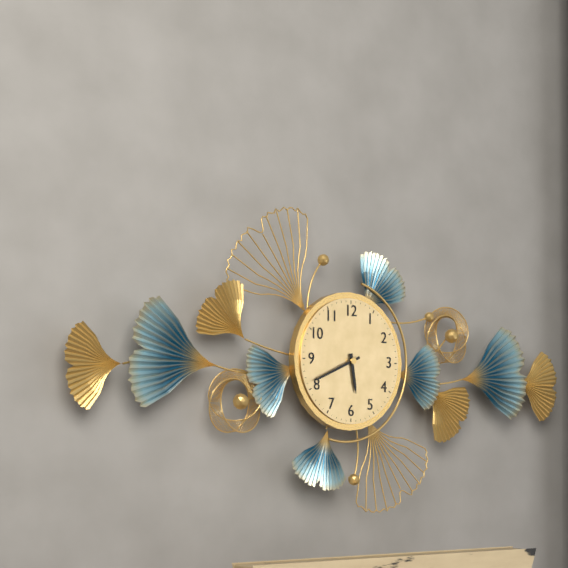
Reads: 5 h 41 min
